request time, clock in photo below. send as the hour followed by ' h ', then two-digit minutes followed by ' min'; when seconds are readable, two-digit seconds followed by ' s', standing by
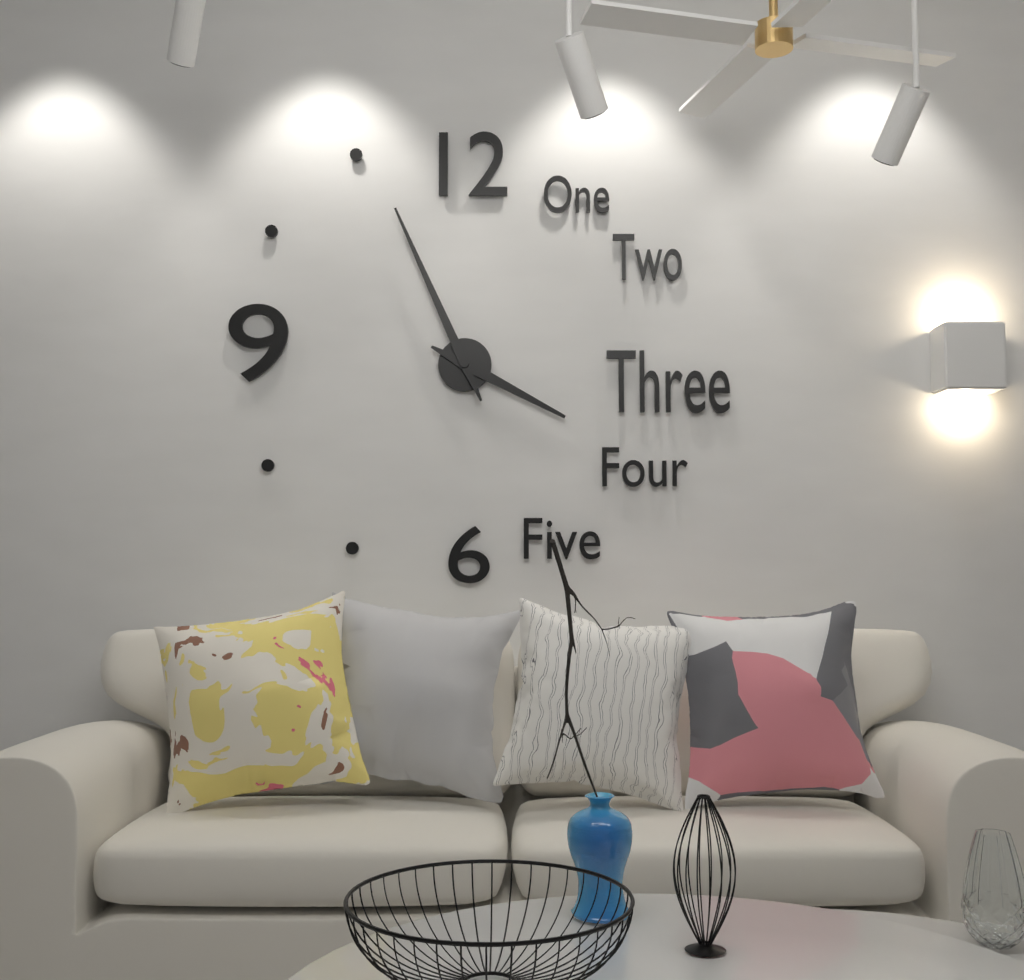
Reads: 3 h 56 min
